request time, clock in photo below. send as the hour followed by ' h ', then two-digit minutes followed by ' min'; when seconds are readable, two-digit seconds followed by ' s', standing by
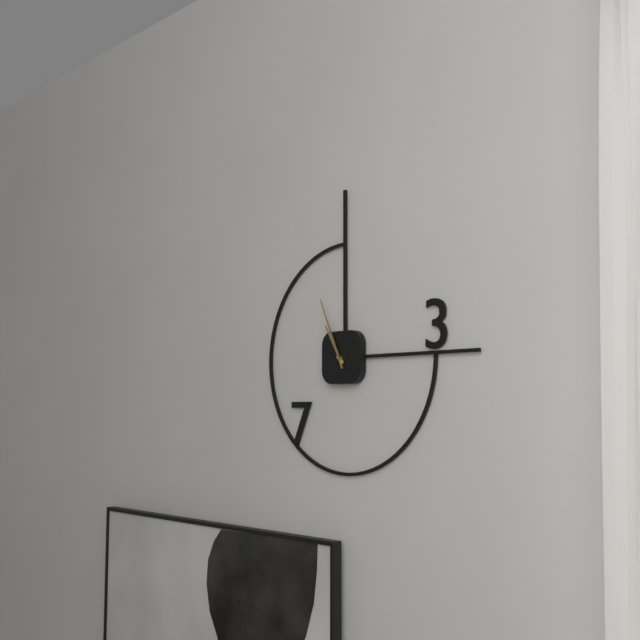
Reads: 10 h 56 min
